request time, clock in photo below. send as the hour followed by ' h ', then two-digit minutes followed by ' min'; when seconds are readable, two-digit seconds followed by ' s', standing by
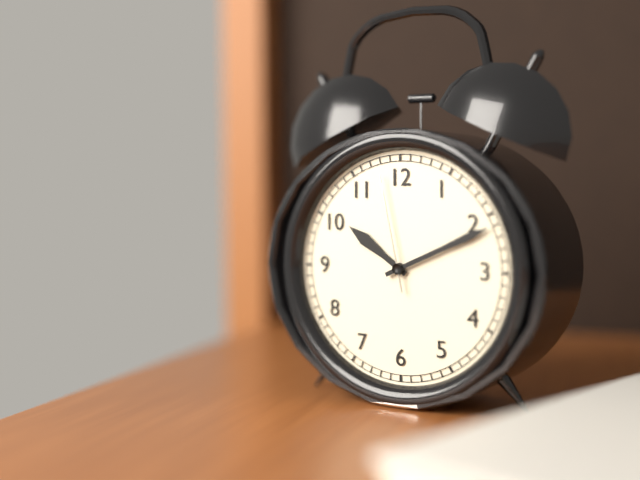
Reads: 10 h 11 min 58 s
